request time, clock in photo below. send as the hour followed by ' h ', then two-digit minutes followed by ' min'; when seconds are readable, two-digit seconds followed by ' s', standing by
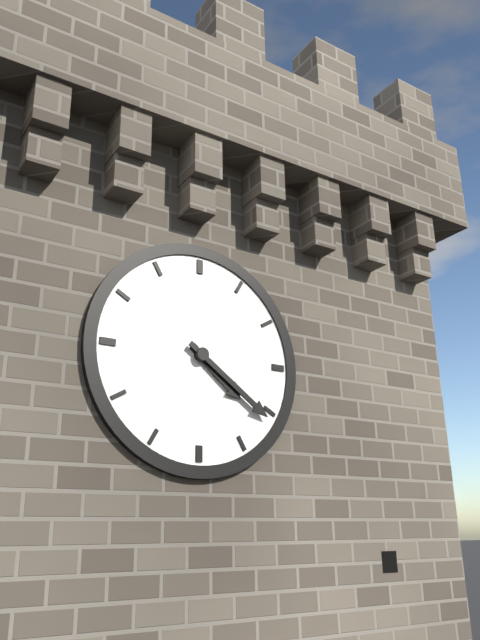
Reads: 4 h 21 min
